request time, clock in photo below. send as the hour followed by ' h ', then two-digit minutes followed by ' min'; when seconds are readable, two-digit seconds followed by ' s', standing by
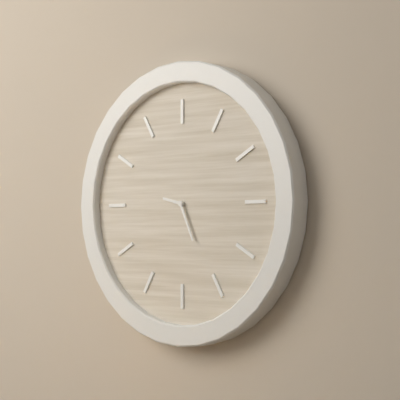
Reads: 9 h 26 min
